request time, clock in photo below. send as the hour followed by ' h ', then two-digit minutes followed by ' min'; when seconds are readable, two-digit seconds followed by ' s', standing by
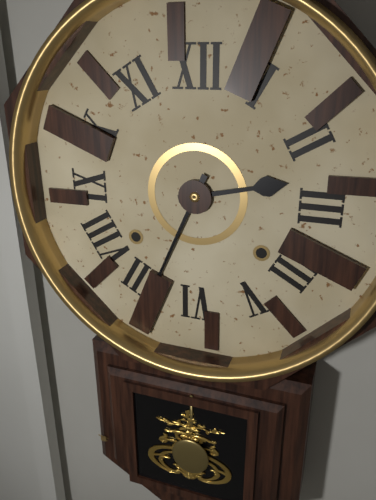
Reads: 2 h 34 min
